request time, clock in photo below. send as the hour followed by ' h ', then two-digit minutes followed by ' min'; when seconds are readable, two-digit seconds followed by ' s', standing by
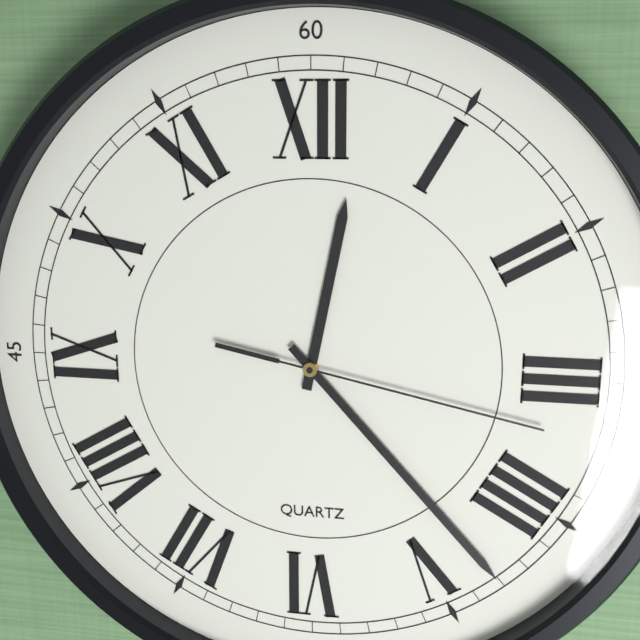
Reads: 12 h 23 min 17 s
